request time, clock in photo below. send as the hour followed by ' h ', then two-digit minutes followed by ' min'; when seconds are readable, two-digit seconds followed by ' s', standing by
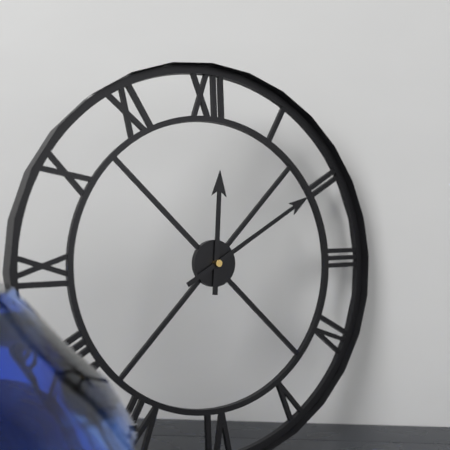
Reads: 12 h 10 min
